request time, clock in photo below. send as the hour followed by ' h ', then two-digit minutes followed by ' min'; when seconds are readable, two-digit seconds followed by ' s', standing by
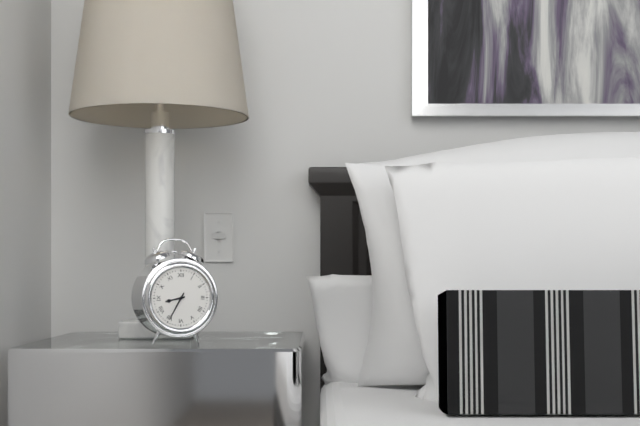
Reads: 8 h 35 min
